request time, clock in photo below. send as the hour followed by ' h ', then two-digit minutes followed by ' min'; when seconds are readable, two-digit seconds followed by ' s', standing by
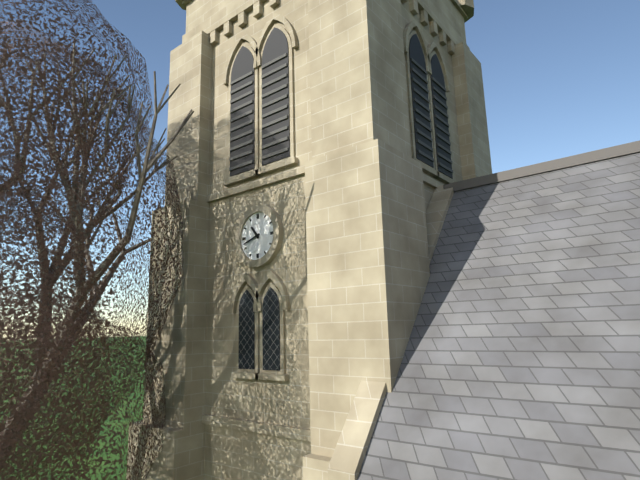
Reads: 10 h 42 min
